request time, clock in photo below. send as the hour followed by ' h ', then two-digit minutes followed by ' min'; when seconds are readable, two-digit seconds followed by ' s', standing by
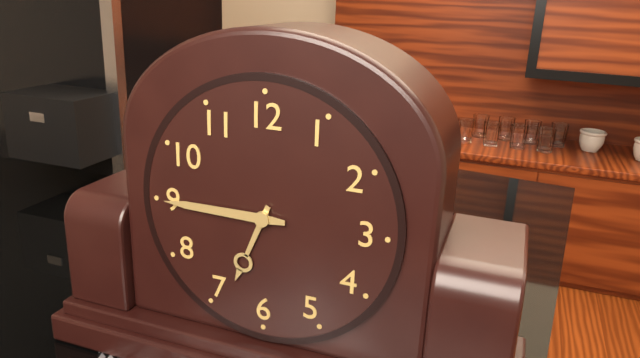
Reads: 6 h 45 min
